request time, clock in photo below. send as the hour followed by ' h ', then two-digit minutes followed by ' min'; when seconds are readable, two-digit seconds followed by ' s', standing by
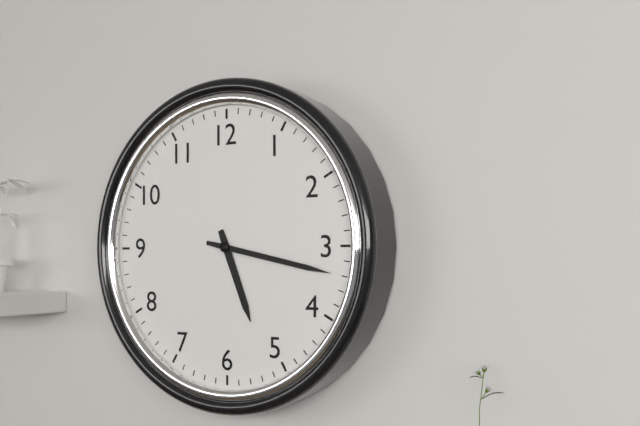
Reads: 5 h 17 min
